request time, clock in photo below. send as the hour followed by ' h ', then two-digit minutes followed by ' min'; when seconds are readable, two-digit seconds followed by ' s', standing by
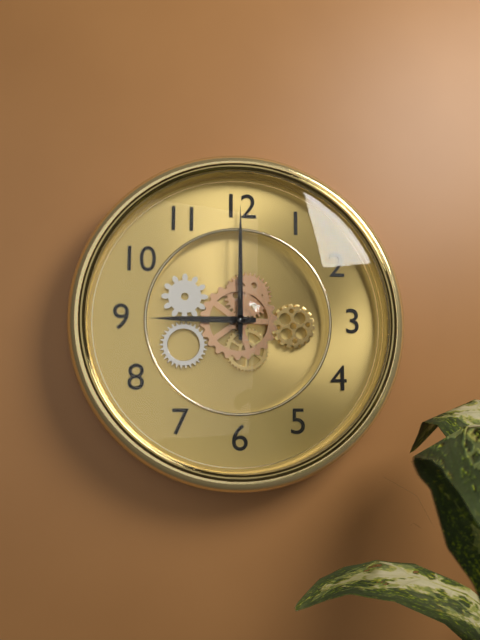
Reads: 9 h 00 min
